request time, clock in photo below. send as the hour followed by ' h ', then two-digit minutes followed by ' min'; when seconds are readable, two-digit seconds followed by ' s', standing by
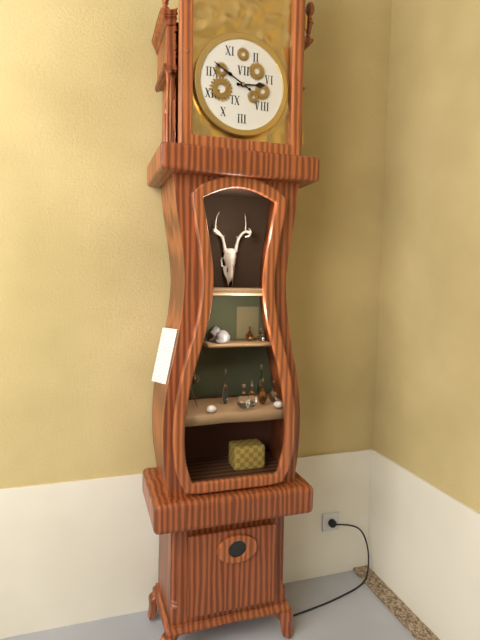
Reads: 2 h 50 min
